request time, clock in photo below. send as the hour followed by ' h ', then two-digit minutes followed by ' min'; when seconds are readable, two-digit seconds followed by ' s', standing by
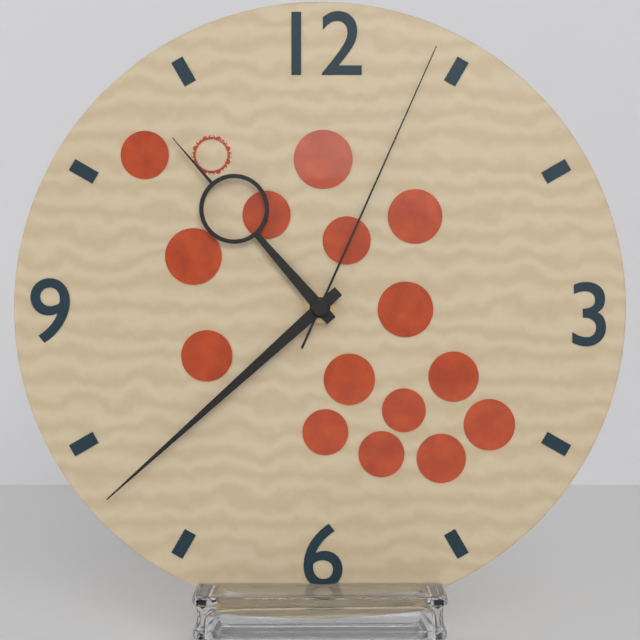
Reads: 10 h 38 min 04 s
